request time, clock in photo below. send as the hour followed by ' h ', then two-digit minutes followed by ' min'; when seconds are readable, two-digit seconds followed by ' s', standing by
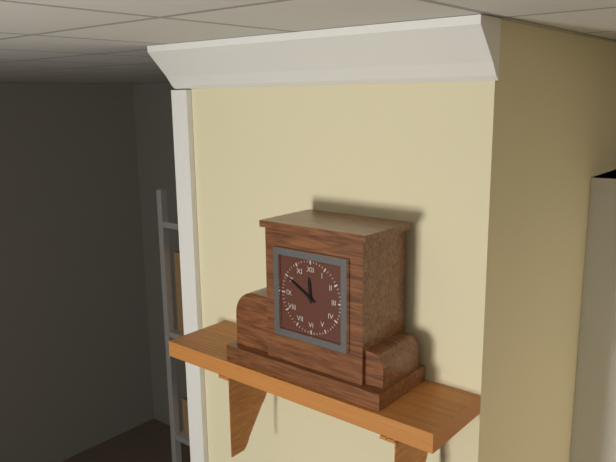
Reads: 11 h 50 min
